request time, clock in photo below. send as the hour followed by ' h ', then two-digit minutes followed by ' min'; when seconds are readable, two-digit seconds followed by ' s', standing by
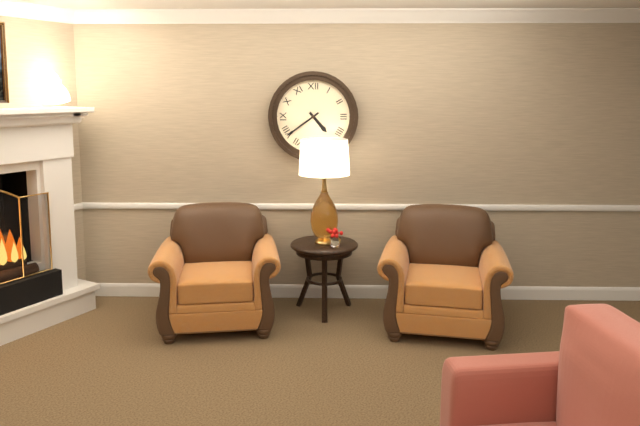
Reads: 4 h 39 min
